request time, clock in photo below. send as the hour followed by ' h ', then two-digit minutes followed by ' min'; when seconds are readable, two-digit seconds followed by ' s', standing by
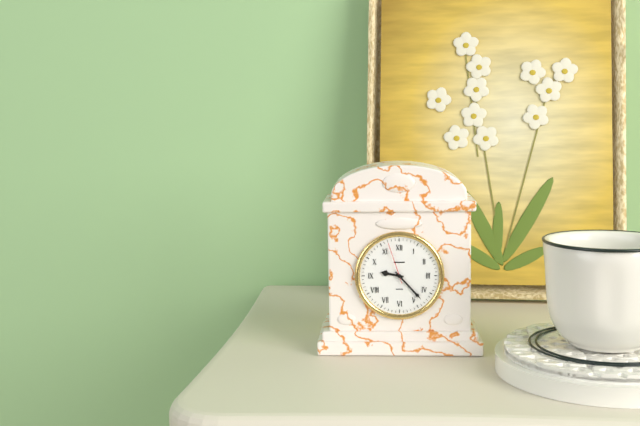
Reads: 9 h 23 min
